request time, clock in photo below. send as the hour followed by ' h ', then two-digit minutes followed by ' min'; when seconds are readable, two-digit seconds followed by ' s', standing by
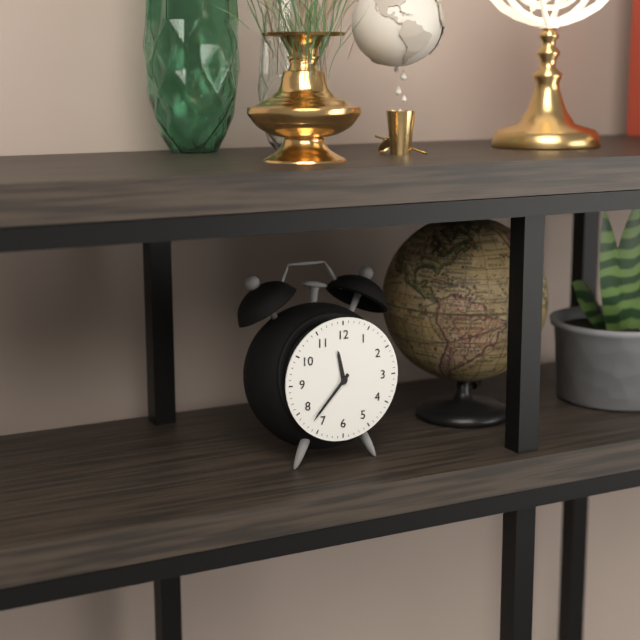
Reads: 11 h 37 min
